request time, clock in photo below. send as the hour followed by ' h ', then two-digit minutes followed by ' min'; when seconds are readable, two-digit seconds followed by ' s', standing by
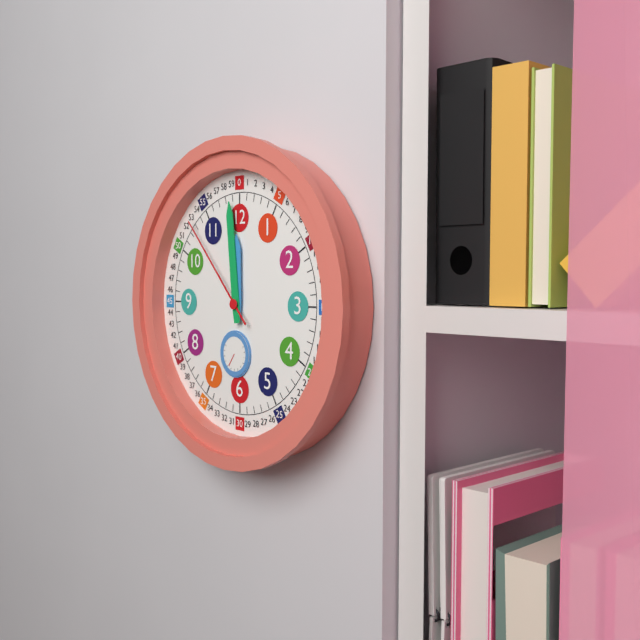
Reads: 11 h 59 min 53 s
